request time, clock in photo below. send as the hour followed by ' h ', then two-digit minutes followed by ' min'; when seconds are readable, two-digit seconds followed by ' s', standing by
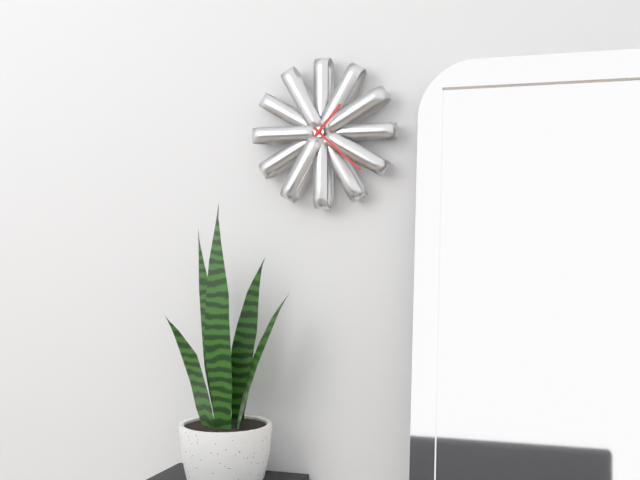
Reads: 1 h 22 min
